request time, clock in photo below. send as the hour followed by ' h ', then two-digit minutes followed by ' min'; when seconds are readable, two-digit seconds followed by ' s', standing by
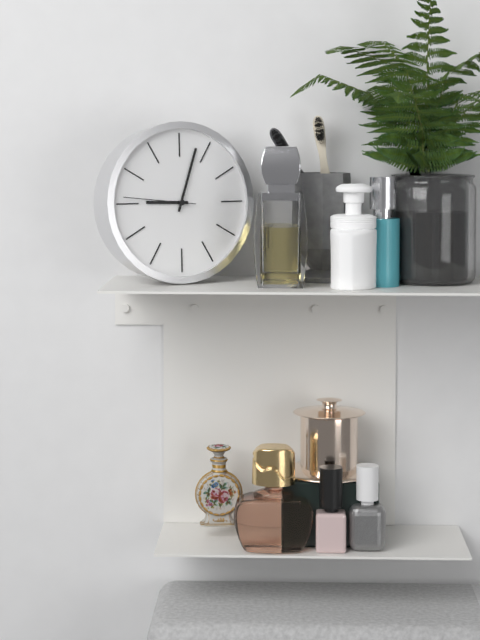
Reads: 9 h 03 min 46 s
